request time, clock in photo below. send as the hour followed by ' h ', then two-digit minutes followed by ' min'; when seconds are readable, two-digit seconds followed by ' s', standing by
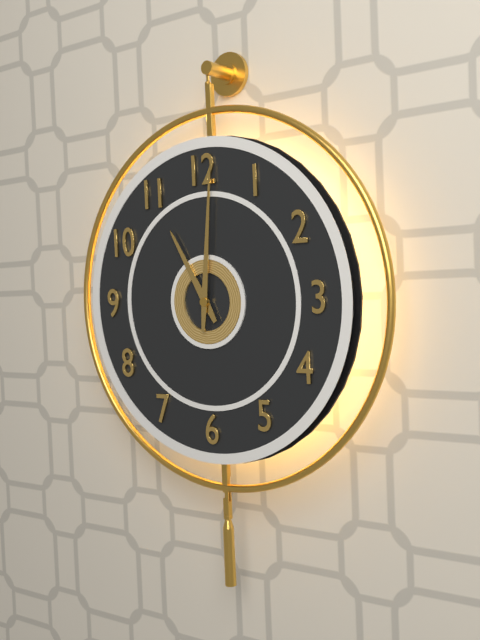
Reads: 11 h 01 min
